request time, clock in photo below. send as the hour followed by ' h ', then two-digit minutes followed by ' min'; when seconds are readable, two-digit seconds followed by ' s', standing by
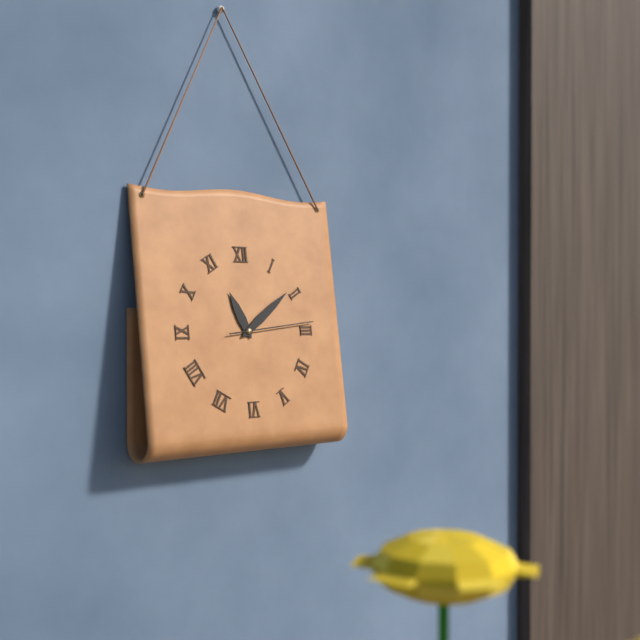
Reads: 11 h 09 min 14 s
